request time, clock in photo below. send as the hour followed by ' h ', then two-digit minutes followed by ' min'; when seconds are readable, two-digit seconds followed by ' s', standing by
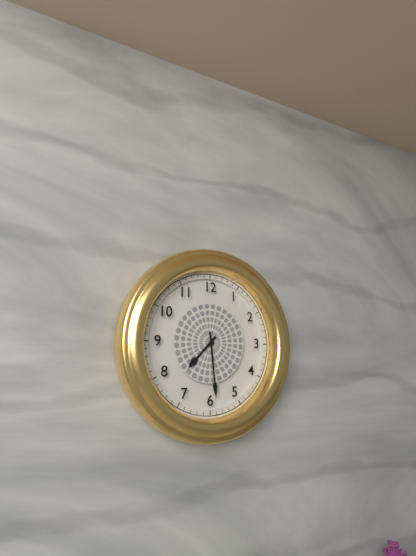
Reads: 7 h 29 min
